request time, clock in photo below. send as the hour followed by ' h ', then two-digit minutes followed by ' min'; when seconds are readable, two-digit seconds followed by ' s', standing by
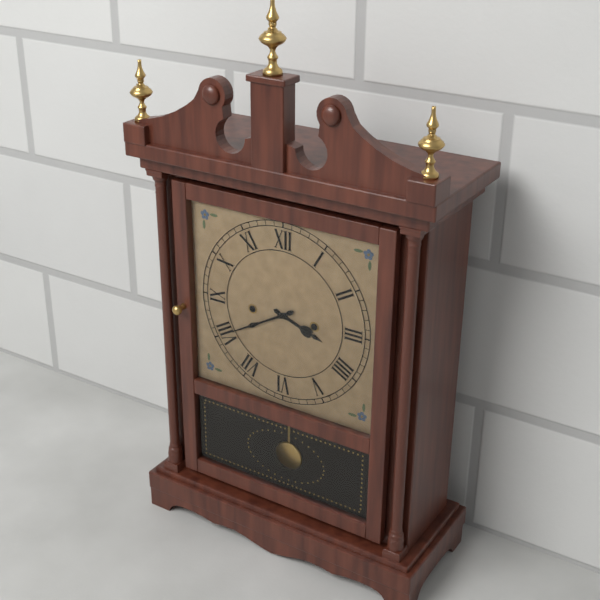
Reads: 3 h 40 min
